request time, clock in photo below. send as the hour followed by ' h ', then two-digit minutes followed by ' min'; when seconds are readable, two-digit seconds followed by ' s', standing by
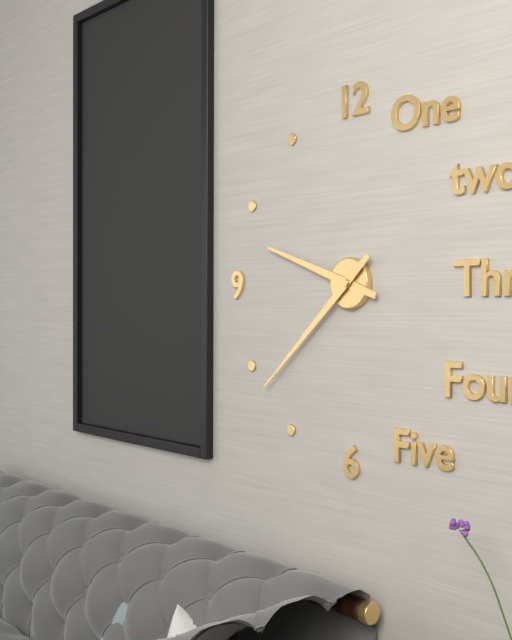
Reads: 9 h 38 min
